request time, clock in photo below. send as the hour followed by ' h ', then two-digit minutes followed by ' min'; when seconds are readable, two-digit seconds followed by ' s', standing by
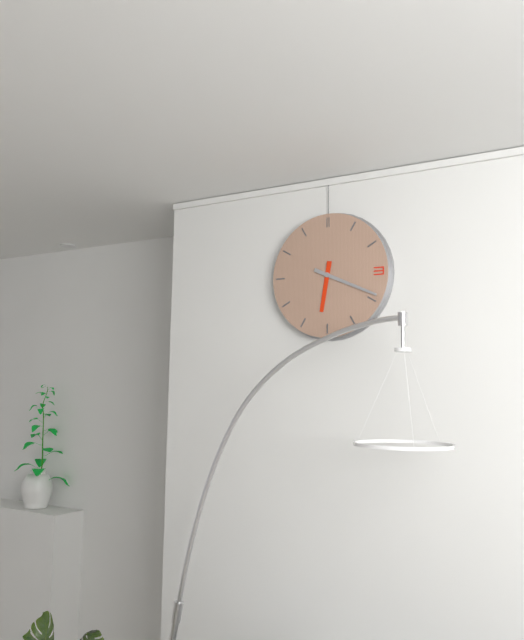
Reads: 6 h 19 min
